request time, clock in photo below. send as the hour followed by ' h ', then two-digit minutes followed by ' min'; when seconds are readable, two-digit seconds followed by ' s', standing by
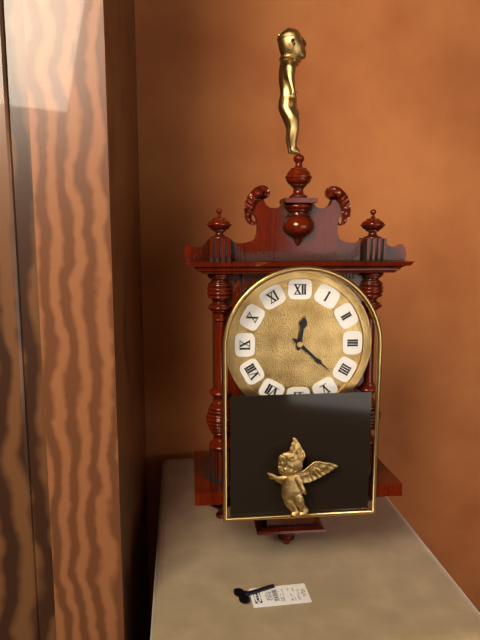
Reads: 12 h 22 min
